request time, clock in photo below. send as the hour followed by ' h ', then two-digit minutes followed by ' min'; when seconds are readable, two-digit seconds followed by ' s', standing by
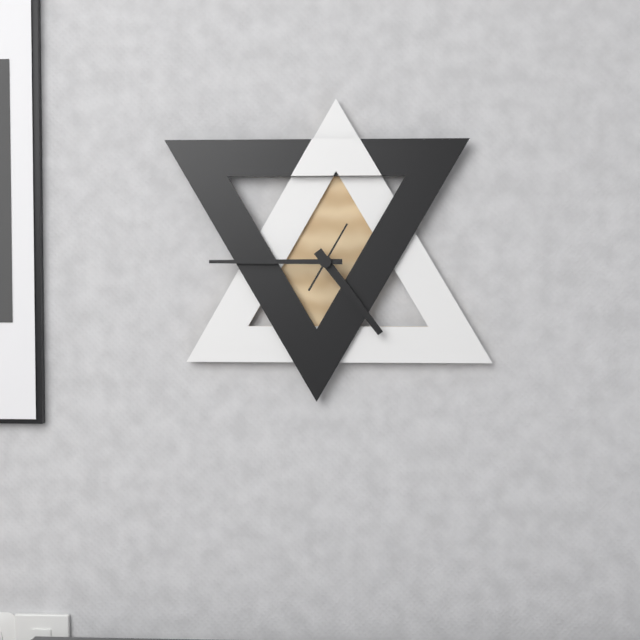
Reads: 4 h 45 min 05 s
